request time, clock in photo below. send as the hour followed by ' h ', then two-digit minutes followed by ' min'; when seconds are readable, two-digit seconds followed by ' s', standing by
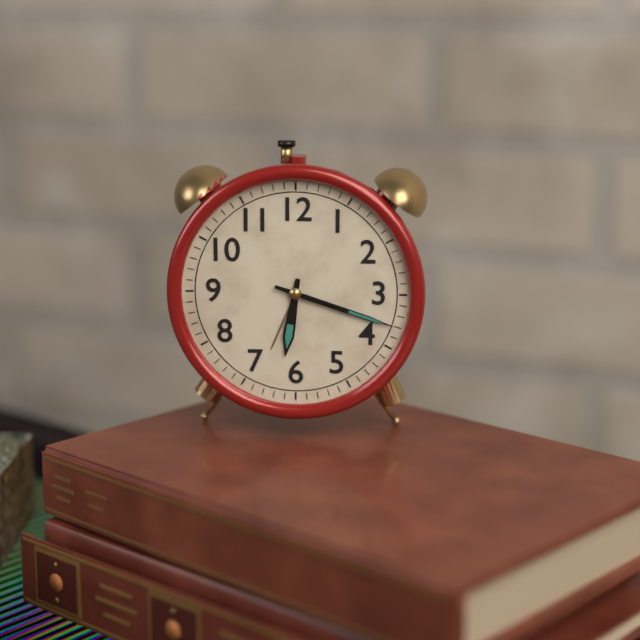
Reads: 6 h 18 min
